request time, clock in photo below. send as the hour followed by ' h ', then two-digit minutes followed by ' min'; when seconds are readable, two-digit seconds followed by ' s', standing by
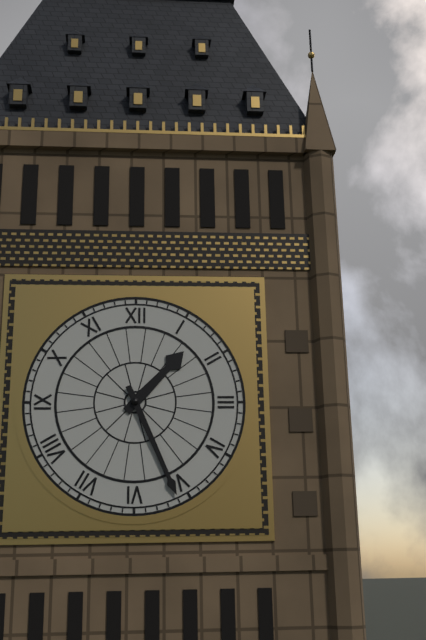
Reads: 1 h 26 min
